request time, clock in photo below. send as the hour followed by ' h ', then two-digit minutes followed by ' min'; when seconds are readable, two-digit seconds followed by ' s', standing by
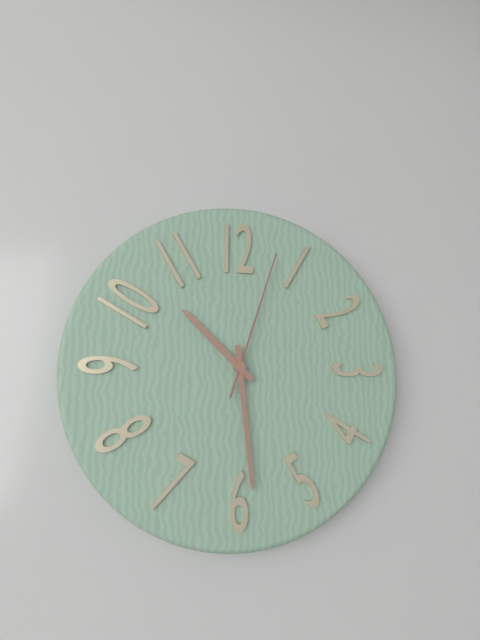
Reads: 10 h 29 min 03 s
